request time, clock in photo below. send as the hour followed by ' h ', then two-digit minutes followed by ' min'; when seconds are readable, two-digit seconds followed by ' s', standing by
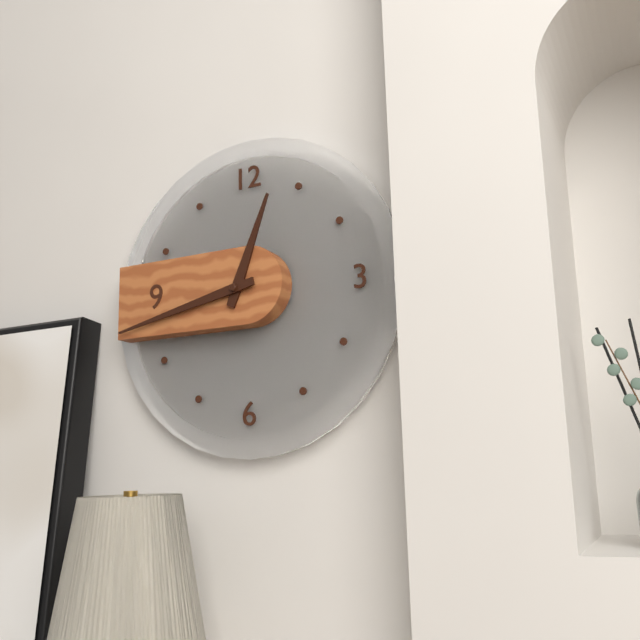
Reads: 12 h 43 min
